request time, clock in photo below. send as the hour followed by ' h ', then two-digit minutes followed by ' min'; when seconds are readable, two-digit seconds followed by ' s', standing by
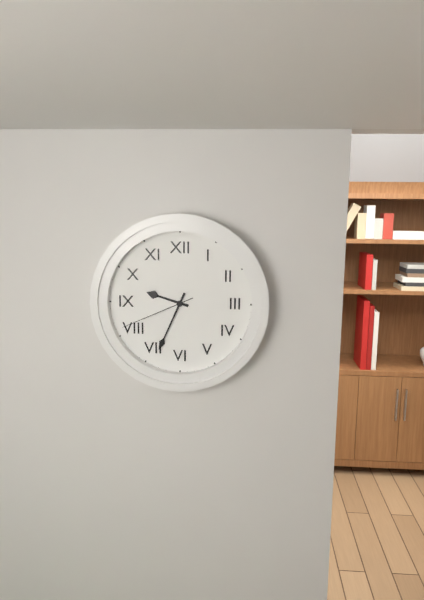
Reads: 9 h 34 min 41 s
